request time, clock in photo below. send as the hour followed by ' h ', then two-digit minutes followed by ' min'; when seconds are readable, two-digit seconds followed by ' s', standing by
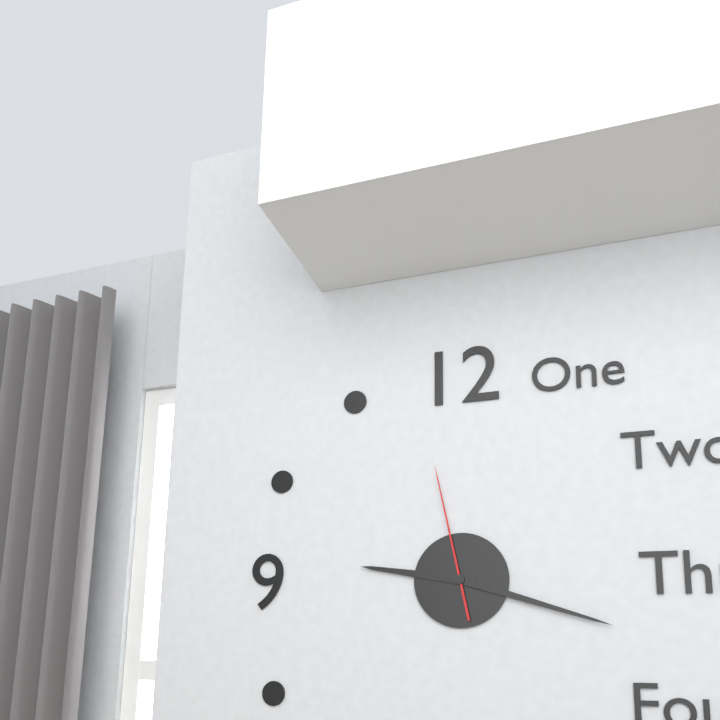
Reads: 9 h 18 min 58 s
